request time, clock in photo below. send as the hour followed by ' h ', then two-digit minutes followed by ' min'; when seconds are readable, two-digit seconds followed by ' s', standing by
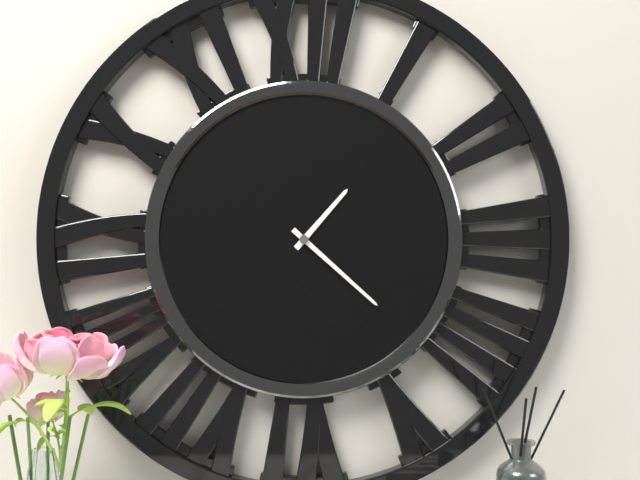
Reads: 1 h 22 min
